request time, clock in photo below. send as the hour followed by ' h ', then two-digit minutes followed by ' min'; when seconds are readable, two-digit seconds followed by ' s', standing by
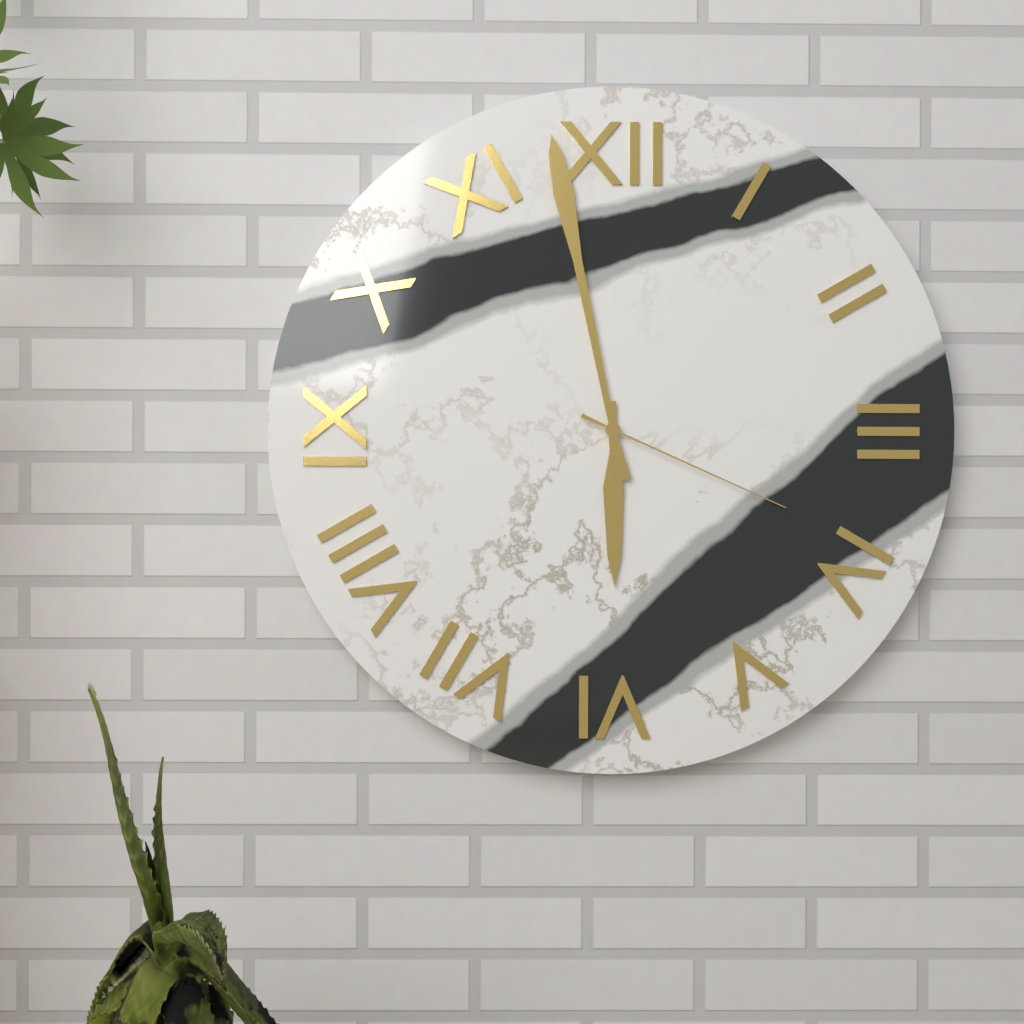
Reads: 5 h 58 min 19 s
